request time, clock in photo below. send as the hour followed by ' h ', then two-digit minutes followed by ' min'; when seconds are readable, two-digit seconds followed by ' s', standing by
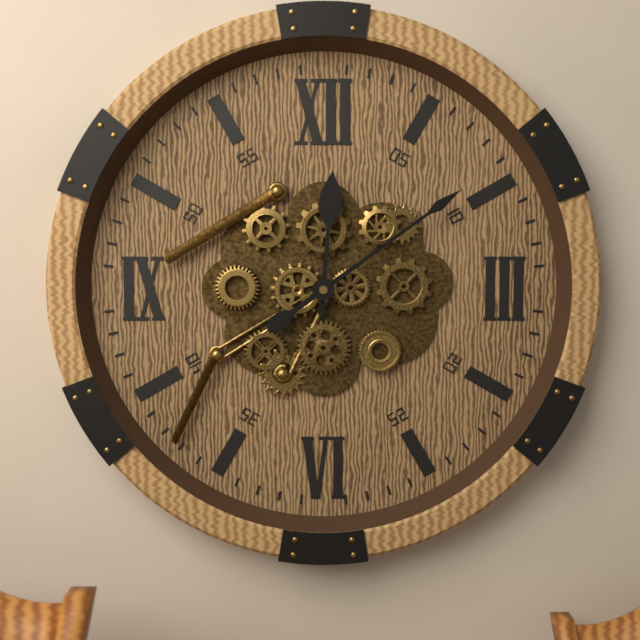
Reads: 12 h 09 min
